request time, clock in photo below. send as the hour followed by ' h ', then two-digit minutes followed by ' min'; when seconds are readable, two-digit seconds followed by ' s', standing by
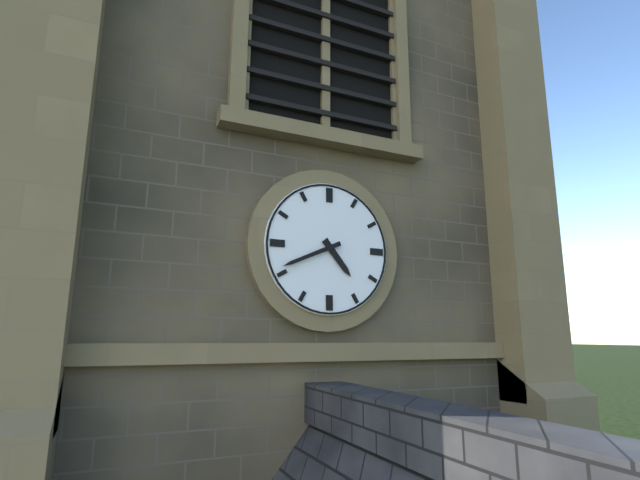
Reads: 4 h 41 min
